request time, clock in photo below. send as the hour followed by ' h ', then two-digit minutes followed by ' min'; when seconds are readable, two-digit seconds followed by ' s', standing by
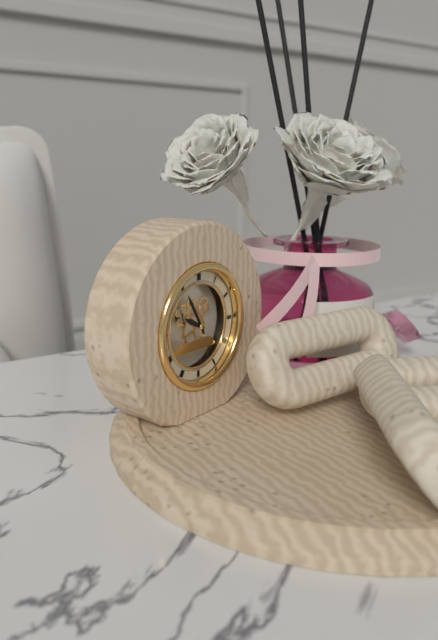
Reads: 9 h 55 min
